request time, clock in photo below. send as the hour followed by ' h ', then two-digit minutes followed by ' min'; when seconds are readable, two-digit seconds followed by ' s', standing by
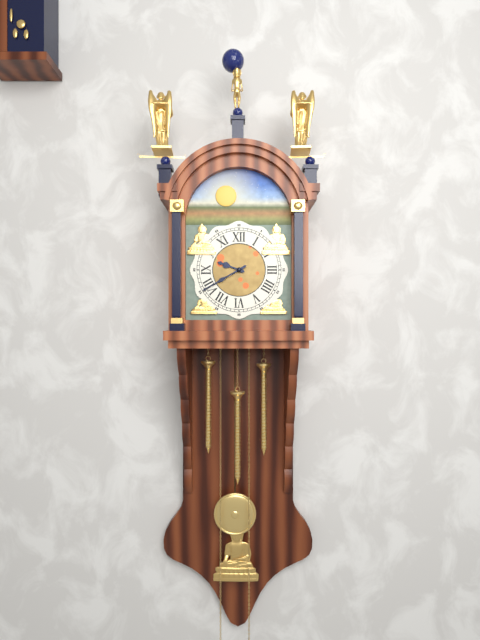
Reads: 9 h 40 min
